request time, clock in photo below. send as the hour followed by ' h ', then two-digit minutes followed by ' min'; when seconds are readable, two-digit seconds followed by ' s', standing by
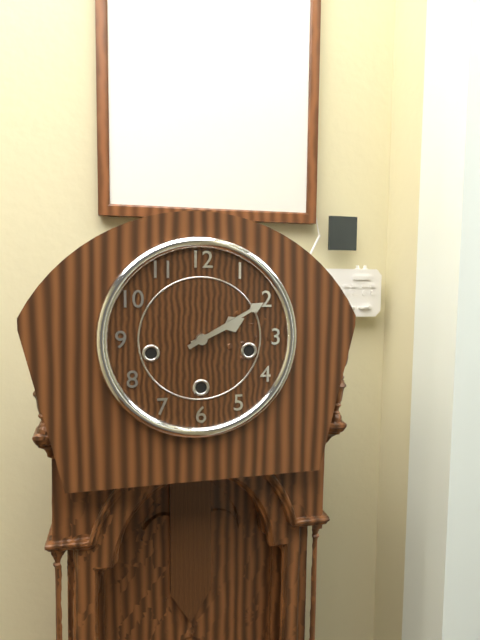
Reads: 2 h 10 min
